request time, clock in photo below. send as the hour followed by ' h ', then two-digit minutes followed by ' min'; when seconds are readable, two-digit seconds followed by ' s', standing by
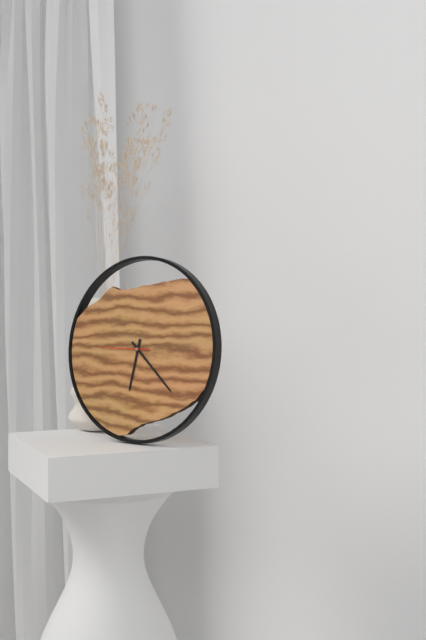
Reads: 6 h 22 min 45 s
